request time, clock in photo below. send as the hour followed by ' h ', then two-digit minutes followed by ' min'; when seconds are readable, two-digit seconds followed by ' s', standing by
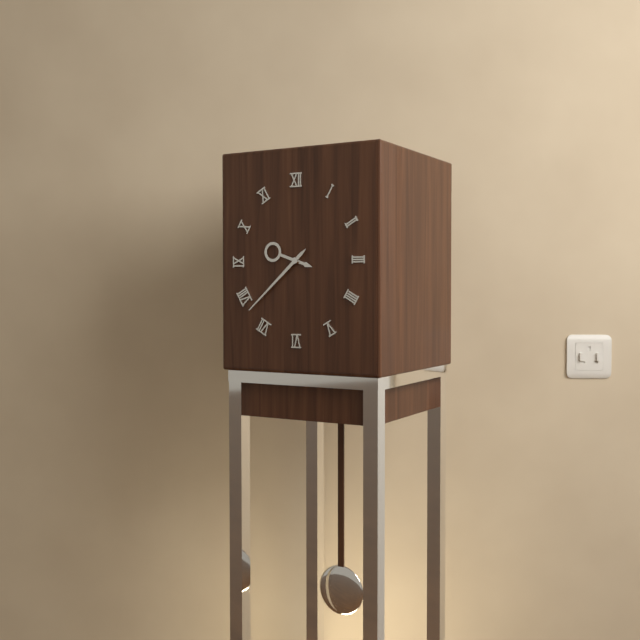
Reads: 9 h 38 min
